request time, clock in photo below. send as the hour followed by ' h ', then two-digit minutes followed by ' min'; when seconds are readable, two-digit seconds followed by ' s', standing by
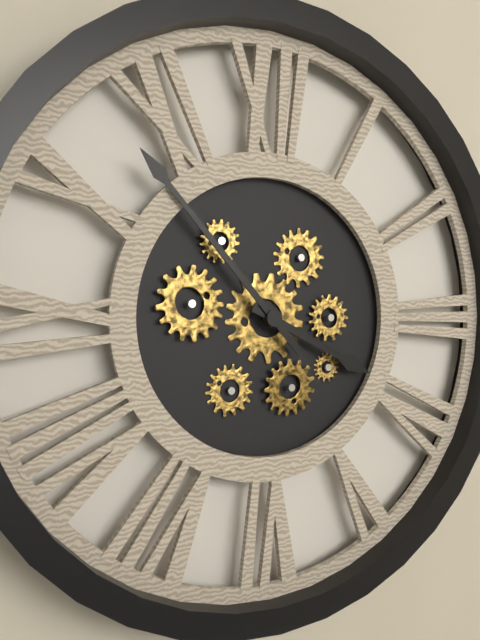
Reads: 3 h 53 min
